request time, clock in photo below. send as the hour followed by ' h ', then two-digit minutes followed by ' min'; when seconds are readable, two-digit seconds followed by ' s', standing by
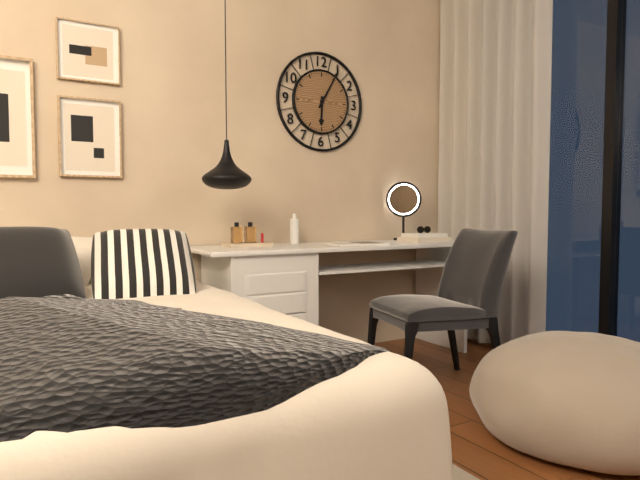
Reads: 6 h 05 min
